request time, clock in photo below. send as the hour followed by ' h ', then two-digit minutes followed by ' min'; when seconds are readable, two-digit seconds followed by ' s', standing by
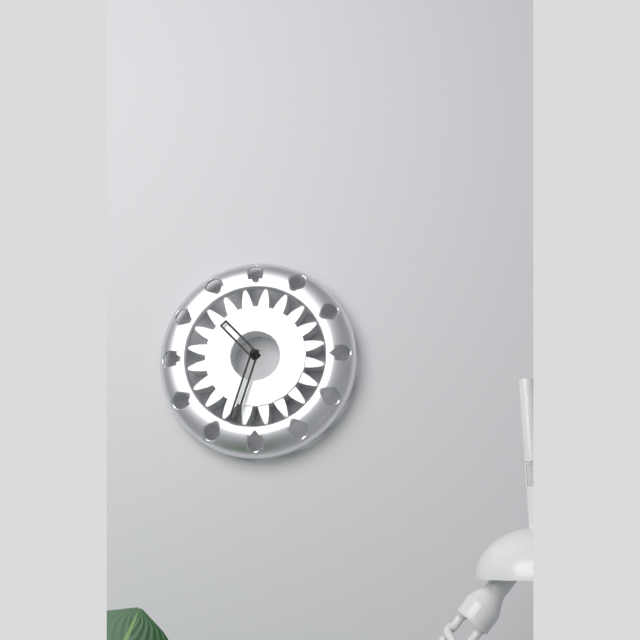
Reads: 10 h 33 min
